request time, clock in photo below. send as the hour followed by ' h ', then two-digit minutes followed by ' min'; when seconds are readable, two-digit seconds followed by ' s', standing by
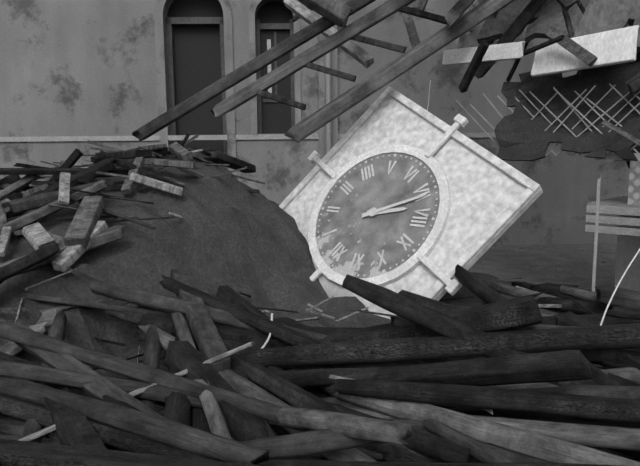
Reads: 7 h 36 min
